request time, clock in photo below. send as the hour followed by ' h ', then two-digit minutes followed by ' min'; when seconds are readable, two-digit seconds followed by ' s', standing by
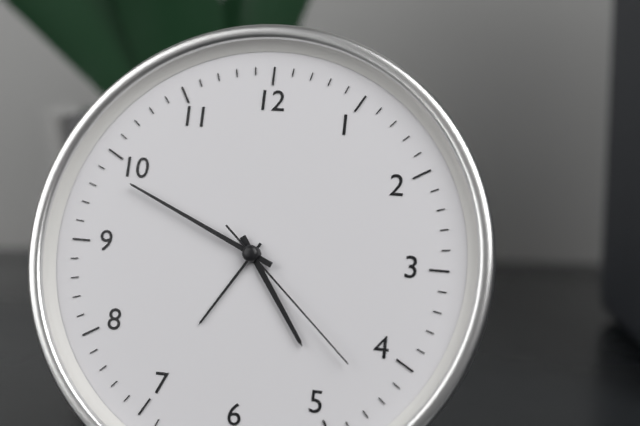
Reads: 4 h 49 min 22 s
